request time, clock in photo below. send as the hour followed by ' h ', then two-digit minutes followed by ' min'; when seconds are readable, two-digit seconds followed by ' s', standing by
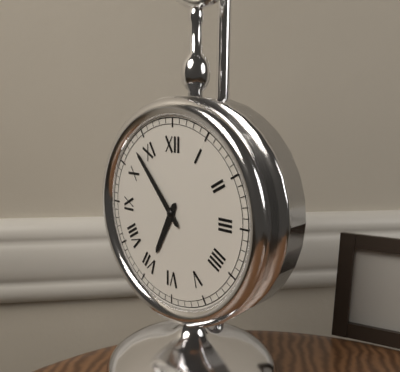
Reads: 6 h 53 min
